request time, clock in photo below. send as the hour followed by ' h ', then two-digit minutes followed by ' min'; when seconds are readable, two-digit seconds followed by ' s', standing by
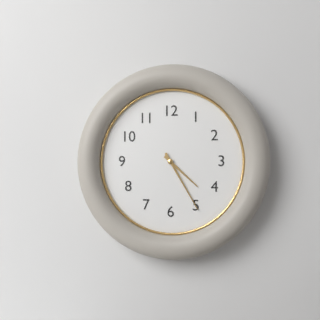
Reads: 4 h 25 min
